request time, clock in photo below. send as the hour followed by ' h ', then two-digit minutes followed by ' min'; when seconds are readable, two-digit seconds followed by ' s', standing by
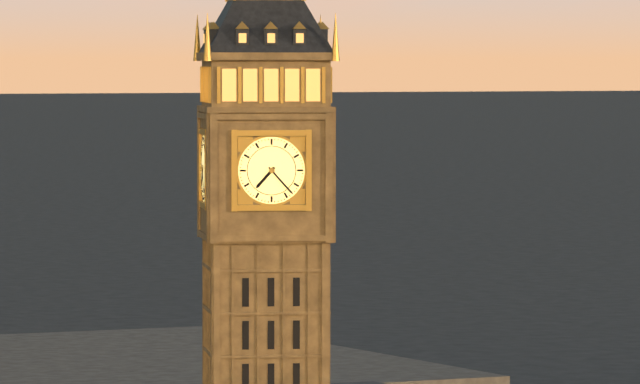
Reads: 7 h 23 min
